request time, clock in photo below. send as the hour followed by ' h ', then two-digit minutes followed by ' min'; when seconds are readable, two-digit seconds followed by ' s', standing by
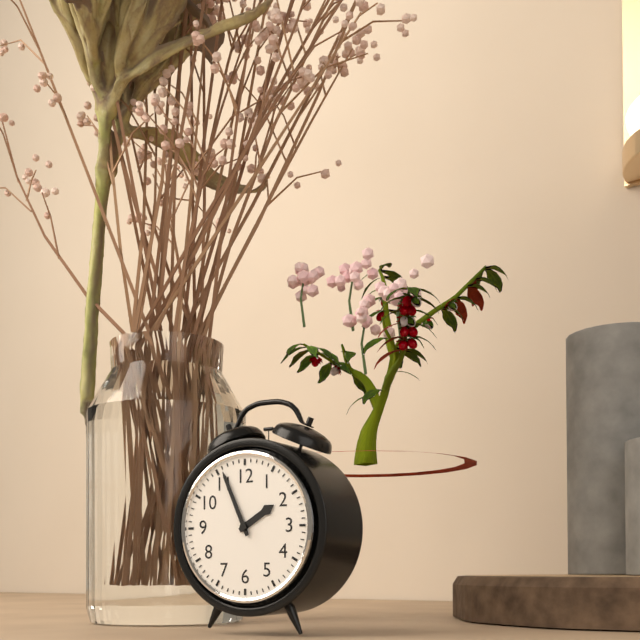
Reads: 1 h 56 min
